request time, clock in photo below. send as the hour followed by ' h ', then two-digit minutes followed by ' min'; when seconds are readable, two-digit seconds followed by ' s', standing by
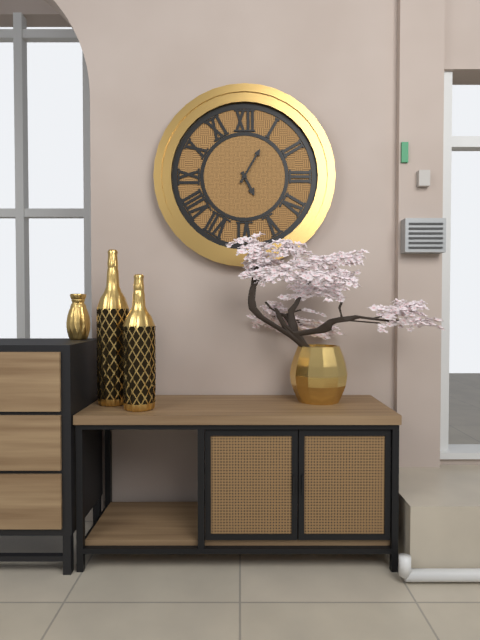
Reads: 5 h 05 min
